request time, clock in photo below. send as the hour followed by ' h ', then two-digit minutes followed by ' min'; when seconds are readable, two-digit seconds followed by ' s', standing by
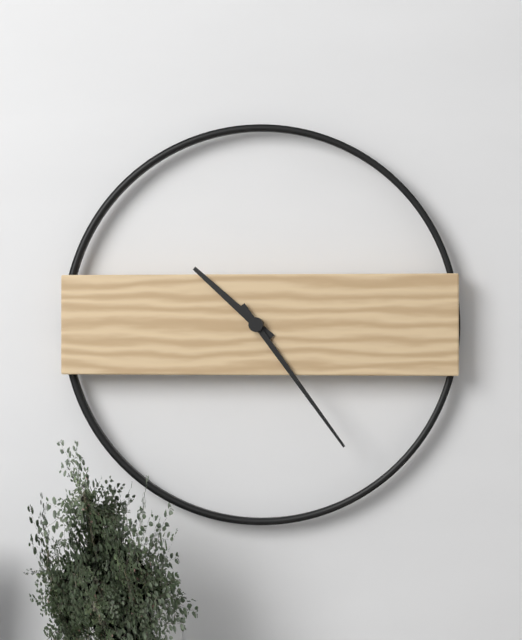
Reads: 10 h 24 min
